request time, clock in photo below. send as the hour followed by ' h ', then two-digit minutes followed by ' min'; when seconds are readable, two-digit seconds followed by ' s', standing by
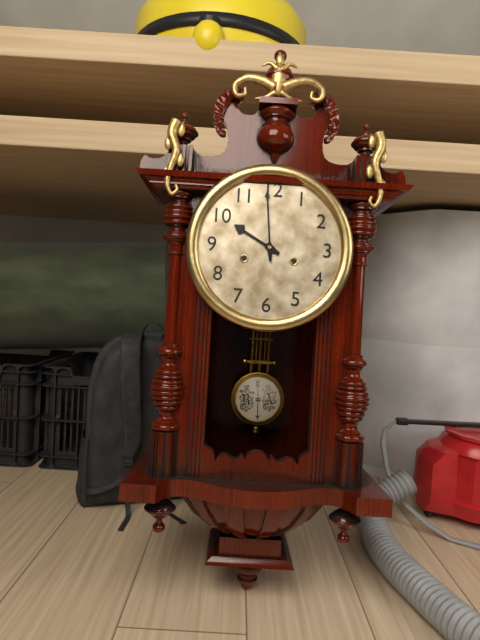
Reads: 9 h 59 min
